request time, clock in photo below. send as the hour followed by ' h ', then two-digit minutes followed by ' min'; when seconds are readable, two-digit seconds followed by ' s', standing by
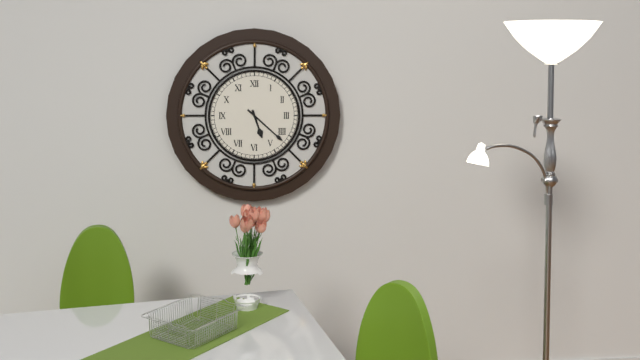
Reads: 5 h 22 min
